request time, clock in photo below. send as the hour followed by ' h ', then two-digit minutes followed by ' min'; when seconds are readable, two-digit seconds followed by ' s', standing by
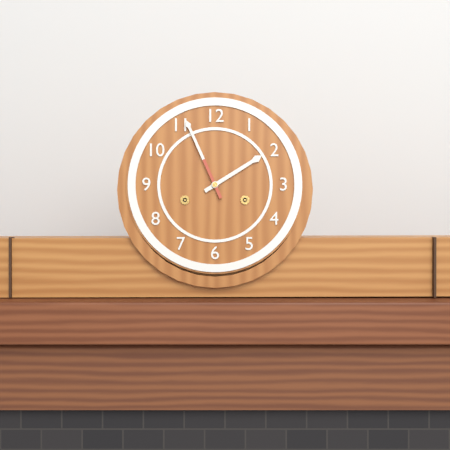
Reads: 1 h 56 min
